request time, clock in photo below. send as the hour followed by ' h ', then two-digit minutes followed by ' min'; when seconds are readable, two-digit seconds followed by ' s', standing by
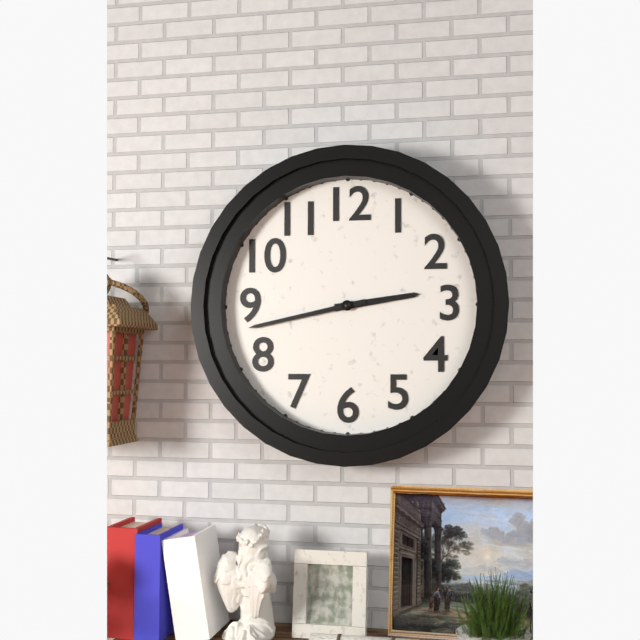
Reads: 2 h 43 min
